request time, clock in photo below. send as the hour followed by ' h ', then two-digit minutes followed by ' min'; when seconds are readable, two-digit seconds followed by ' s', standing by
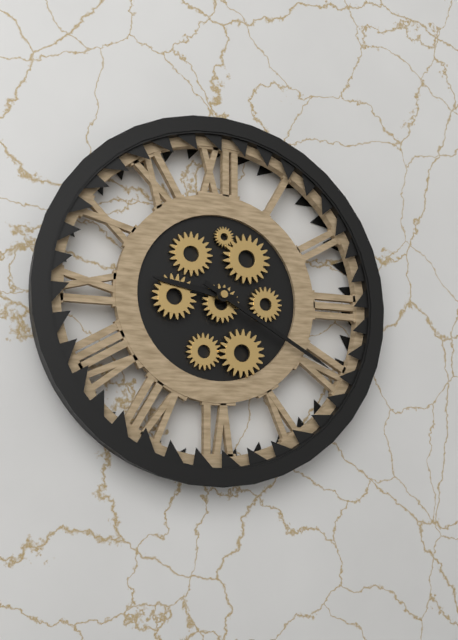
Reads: 9 h 20 min
